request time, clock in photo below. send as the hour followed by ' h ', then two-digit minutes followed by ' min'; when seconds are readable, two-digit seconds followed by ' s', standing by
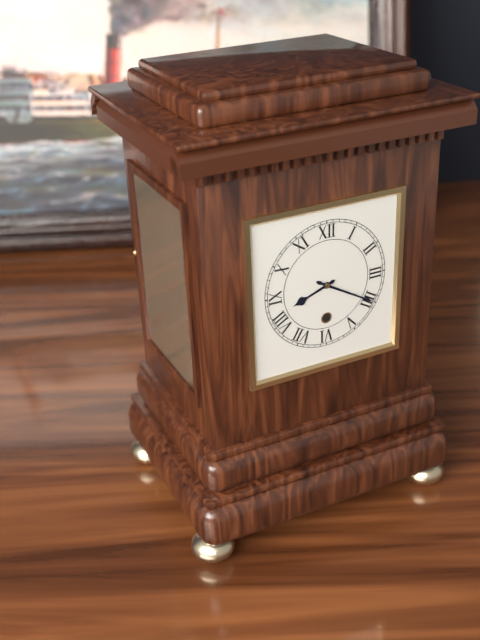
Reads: 8 h 20 min
